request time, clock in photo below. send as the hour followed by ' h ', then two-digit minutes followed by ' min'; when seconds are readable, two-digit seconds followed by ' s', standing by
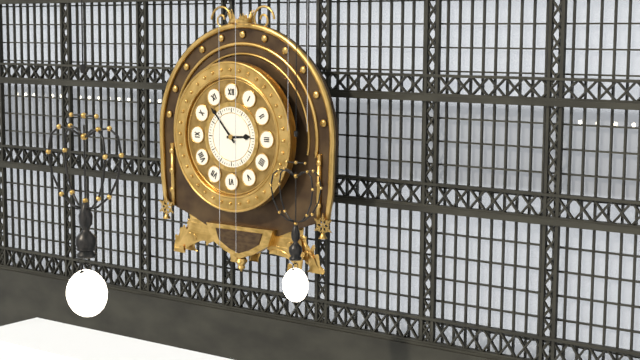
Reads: 2 h 53 min
